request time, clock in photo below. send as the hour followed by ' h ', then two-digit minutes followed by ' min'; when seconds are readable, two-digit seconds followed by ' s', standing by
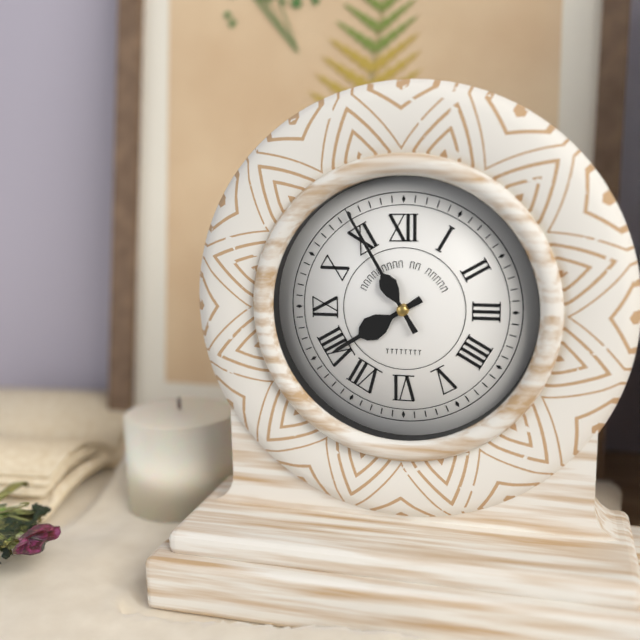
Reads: 7 h 55 min
